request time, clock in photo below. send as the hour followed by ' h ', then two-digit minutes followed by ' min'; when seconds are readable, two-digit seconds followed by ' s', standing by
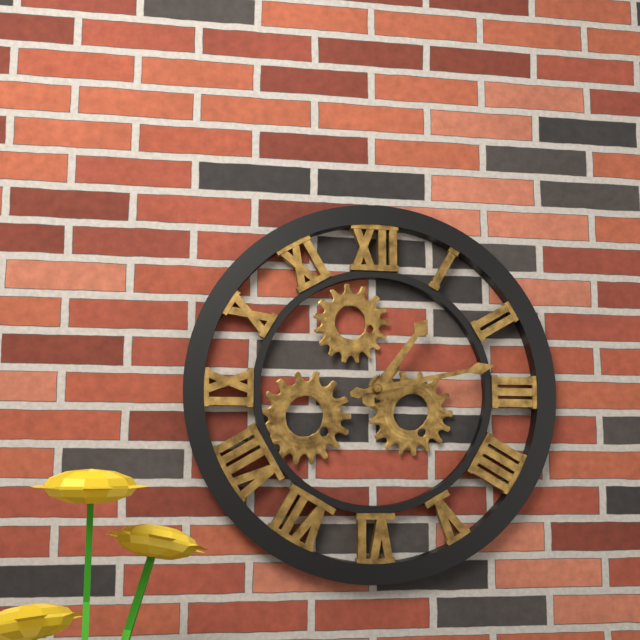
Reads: 1 h 13 min
